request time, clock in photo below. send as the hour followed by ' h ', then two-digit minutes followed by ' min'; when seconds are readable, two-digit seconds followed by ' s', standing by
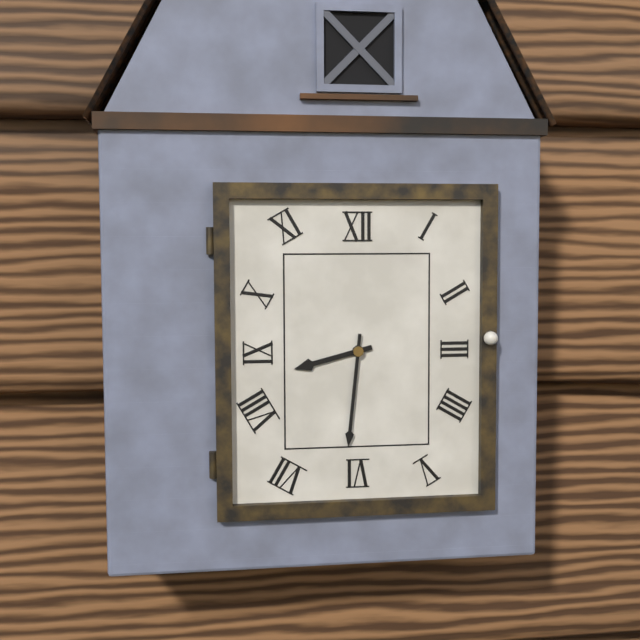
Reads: 8 h 31 min
